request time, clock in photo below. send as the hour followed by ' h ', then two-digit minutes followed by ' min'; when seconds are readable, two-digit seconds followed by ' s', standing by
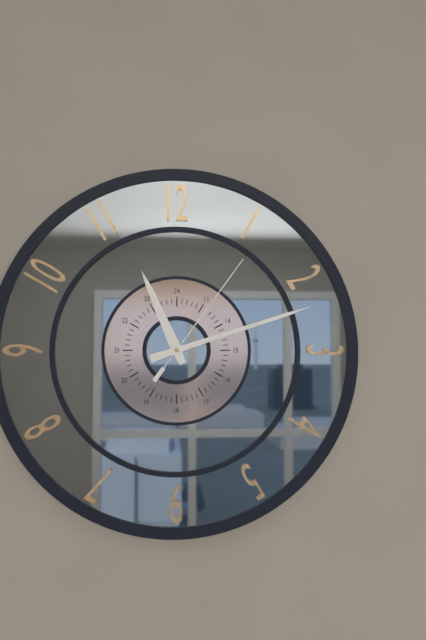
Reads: 11 h 12 min 06 s
